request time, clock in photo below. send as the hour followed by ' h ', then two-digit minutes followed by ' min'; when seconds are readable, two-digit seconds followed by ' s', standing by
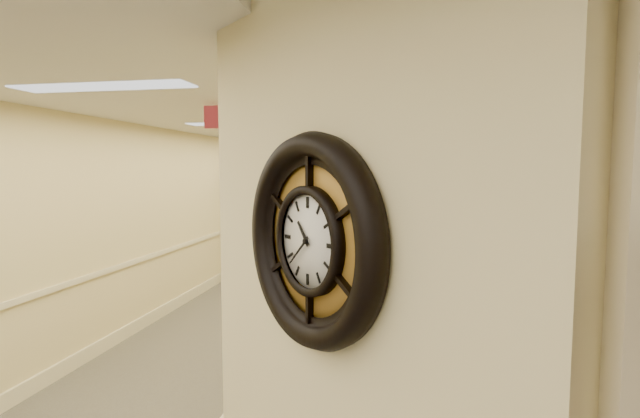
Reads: 10 h 38 min
